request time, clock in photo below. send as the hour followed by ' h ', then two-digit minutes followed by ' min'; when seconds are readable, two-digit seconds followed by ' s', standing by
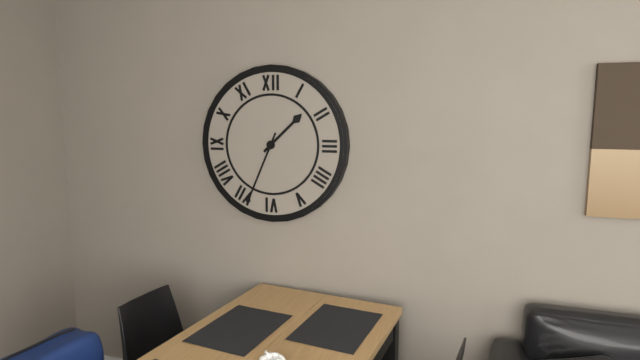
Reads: 1 h 34 min
